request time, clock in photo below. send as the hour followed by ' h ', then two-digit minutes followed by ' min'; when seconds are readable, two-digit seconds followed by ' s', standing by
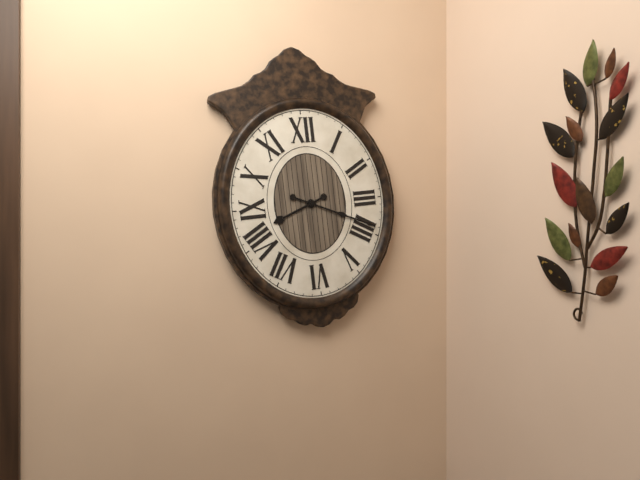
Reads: 8 h 19 min
